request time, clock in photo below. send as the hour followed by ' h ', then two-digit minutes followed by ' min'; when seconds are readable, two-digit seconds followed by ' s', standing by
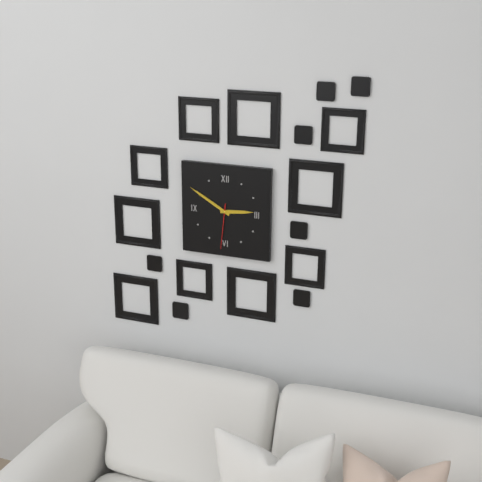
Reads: 2 h 50 min
